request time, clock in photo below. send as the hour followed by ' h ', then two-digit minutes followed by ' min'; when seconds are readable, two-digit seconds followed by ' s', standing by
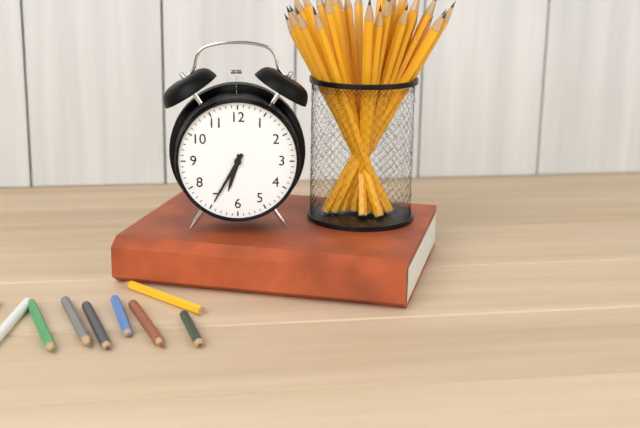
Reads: 6 h 35 min
